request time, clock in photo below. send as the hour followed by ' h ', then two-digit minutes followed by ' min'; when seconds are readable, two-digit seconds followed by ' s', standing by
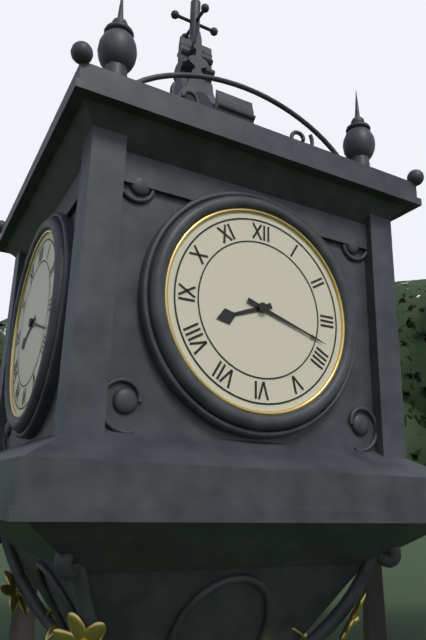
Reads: 8 h 18 min
